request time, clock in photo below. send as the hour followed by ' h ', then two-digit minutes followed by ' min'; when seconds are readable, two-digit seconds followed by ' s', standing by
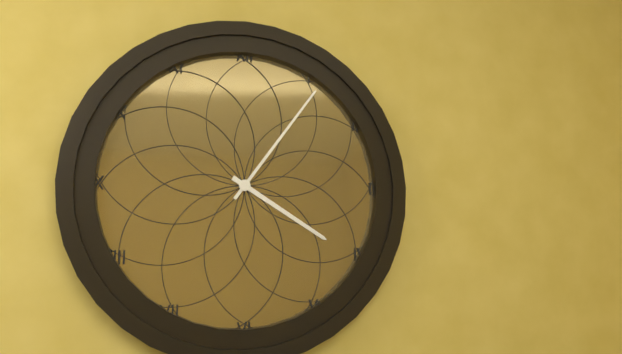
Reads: 4 h 06 min
